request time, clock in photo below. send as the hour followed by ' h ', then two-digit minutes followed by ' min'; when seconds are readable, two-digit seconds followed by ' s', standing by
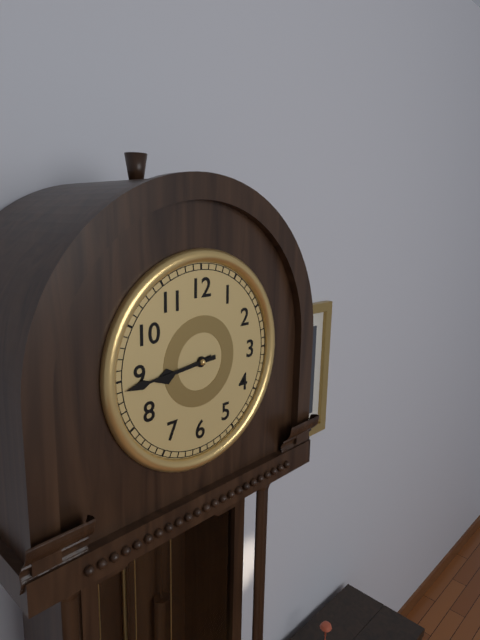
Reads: 8 h 44 min
